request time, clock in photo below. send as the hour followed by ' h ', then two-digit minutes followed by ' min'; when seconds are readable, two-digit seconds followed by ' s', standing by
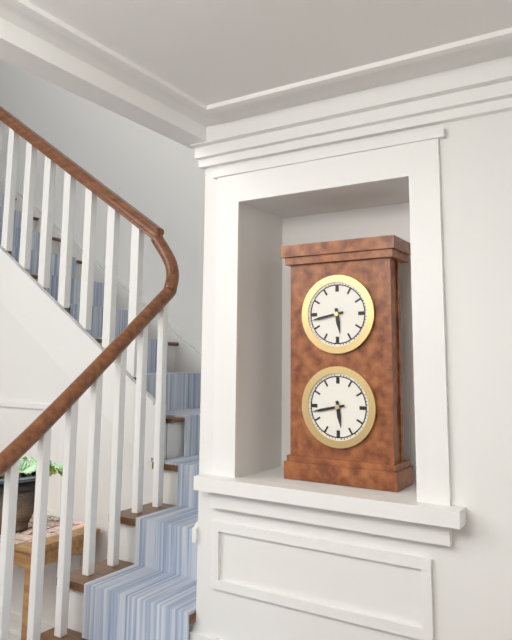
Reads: 5 h 43 min
